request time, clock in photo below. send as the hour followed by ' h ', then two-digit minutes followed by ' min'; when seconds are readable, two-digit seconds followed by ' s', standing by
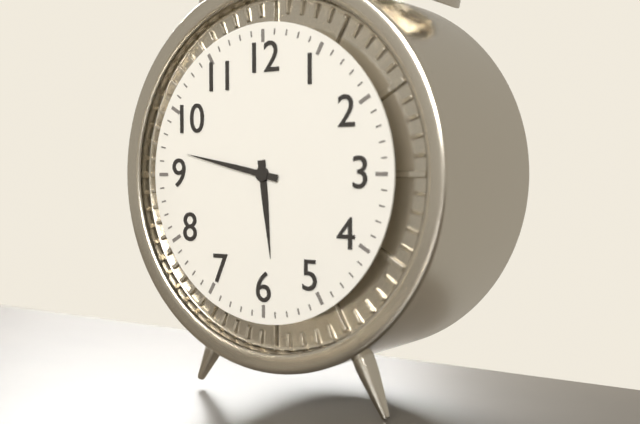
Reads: 5 h 47 min
